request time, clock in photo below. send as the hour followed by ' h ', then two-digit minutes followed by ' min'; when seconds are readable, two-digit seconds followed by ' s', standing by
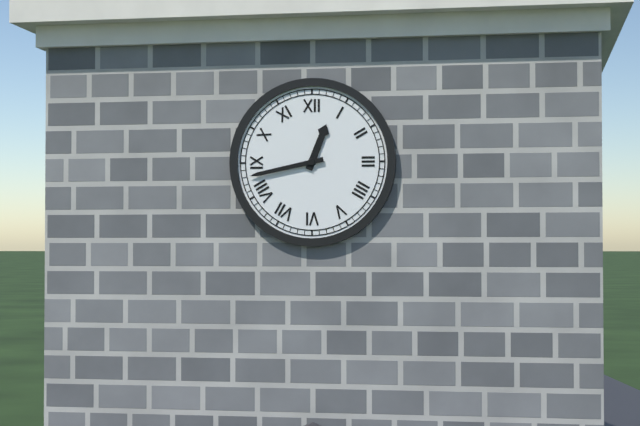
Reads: 12 h 43 min
